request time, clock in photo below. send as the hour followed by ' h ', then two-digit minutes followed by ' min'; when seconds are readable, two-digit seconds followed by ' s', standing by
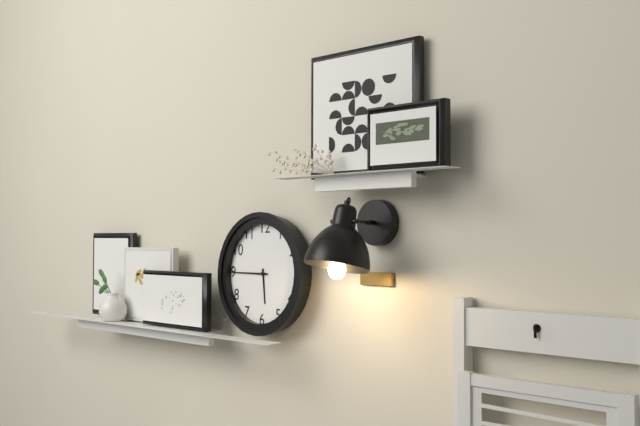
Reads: 5 h 45 min
